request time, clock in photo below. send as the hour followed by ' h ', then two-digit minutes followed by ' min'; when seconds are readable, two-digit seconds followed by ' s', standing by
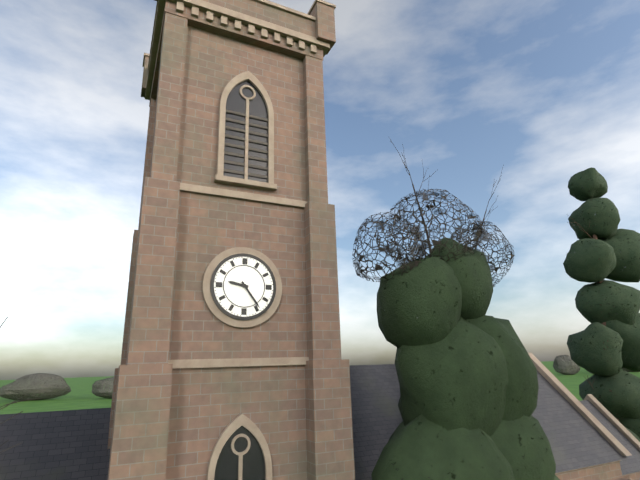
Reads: 9 h 24 min
